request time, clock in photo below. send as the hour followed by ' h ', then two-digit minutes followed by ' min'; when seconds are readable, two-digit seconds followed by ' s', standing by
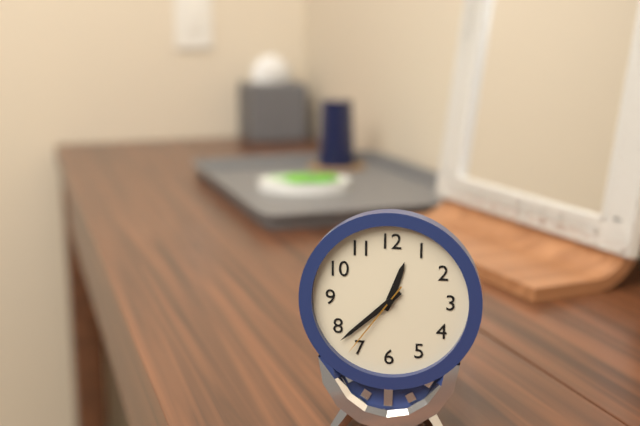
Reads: 12 h 38 min 36 s
